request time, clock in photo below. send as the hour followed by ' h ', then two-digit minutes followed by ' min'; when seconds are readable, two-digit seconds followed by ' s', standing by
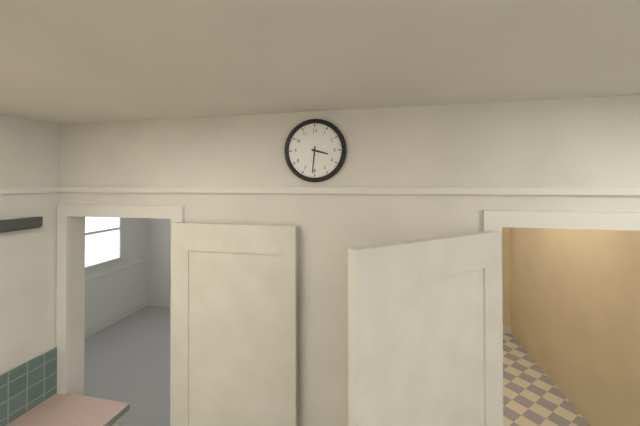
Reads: 3 h 31 min
